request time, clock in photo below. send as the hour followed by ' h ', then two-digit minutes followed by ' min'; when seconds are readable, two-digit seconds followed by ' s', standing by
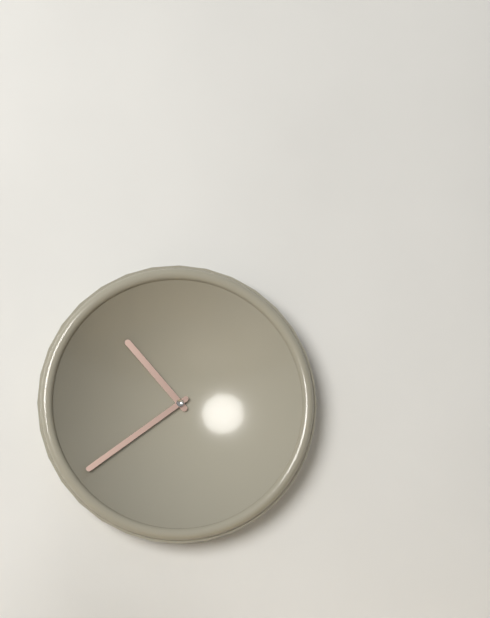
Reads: 10 h 39 min
